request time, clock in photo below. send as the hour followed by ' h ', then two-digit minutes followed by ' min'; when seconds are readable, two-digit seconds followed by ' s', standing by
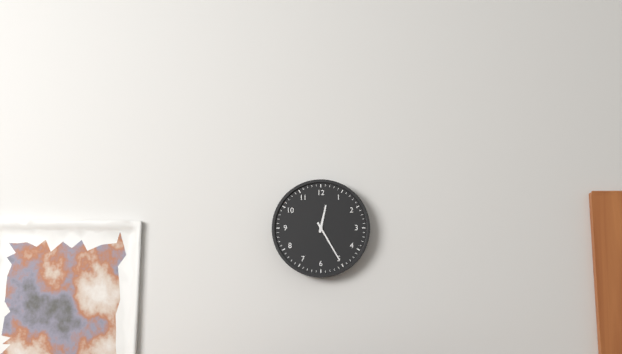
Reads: 12 h 25 min
